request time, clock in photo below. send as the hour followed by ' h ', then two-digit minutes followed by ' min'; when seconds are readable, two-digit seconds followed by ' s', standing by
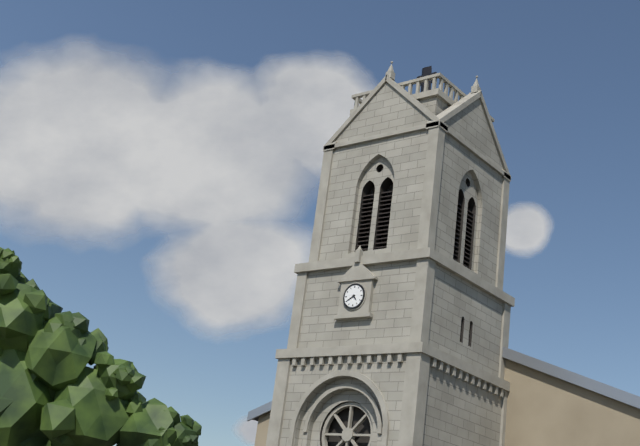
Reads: 4 h 40 min
